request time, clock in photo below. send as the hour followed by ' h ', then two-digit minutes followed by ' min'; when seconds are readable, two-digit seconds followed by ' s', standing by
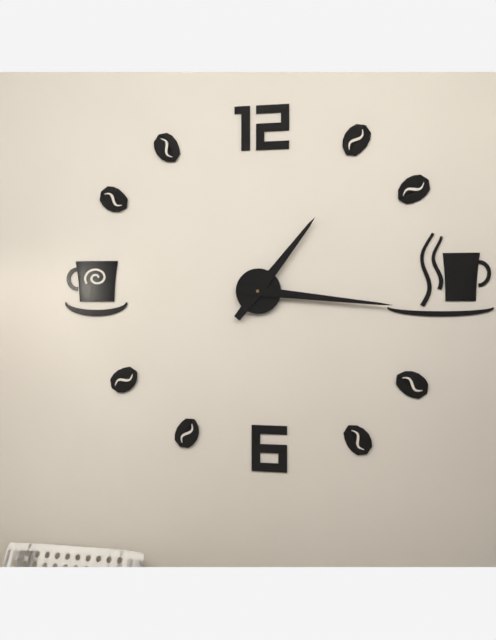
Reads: 1 h 16 min
